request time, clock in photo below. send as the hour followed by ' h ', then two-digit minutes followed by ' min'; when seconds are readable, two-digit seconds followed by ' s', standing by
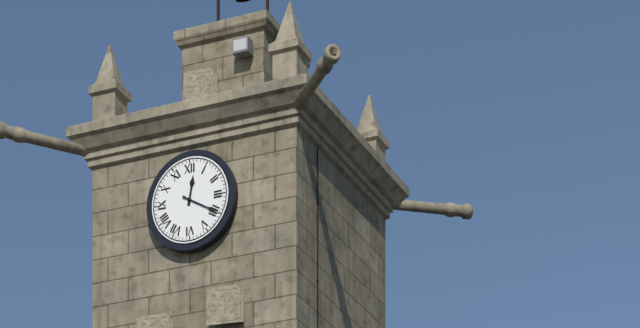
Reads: 12 h 20 min
